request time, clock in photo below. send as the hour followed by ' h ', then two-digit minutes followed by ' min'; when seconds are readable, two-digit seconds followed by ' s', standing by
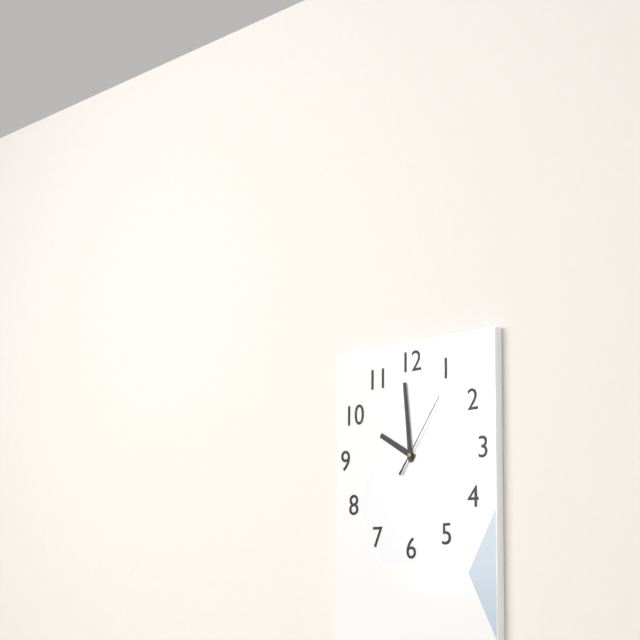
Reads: 9 h 59 min 06 s
